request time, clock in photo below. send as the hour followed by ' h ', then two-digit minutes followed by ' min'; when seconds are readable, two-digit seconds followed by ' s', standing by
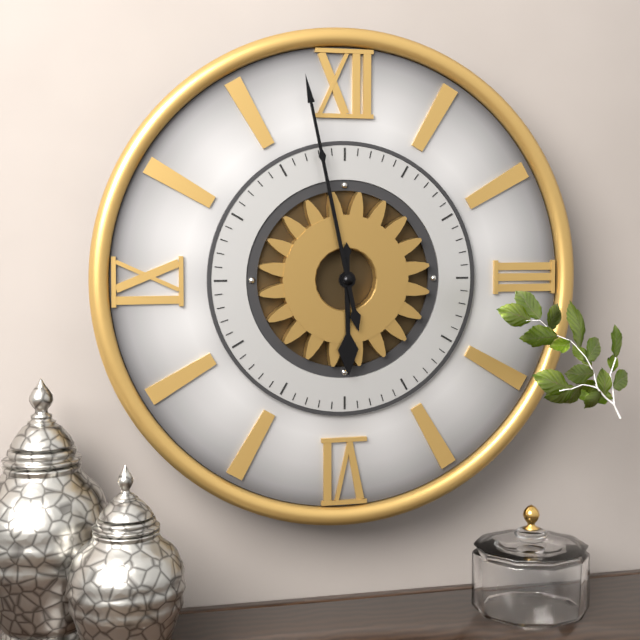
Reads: 5 h 58 min
